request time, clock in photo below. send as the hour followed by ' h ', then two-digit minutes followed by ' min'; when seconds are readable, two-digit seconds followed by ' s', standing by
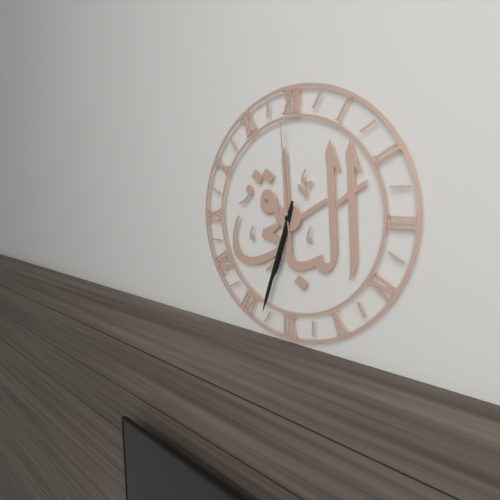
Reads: 6 h 33 min 59 s
